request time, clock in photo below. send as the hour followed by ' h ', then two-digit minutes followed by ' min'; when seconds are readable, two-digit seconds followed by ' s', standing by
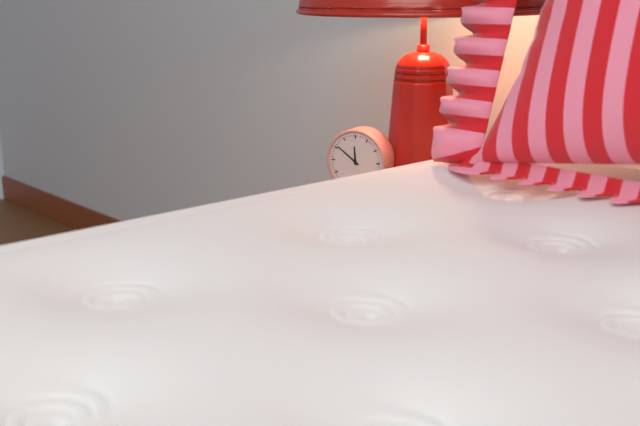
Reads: 11 h 51 min
